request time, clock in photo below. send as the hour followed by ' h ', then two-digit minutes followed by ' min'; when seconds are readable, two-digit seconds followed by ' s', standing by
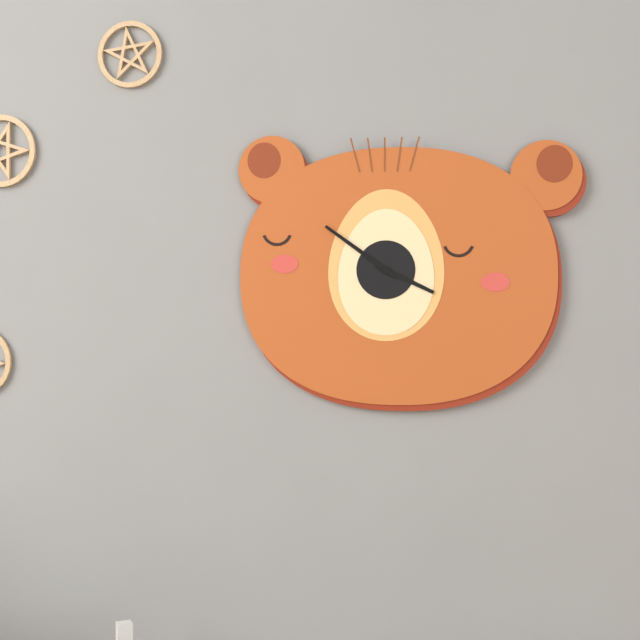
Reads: 3 h 51 min
